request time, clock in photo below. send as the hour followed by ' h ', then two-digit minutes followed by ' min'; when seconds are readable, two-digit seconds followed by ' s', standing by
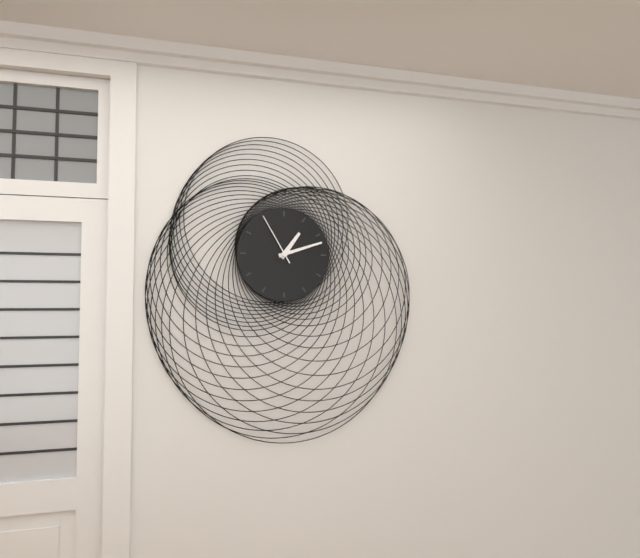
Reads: 1 h 12 min 55 s
